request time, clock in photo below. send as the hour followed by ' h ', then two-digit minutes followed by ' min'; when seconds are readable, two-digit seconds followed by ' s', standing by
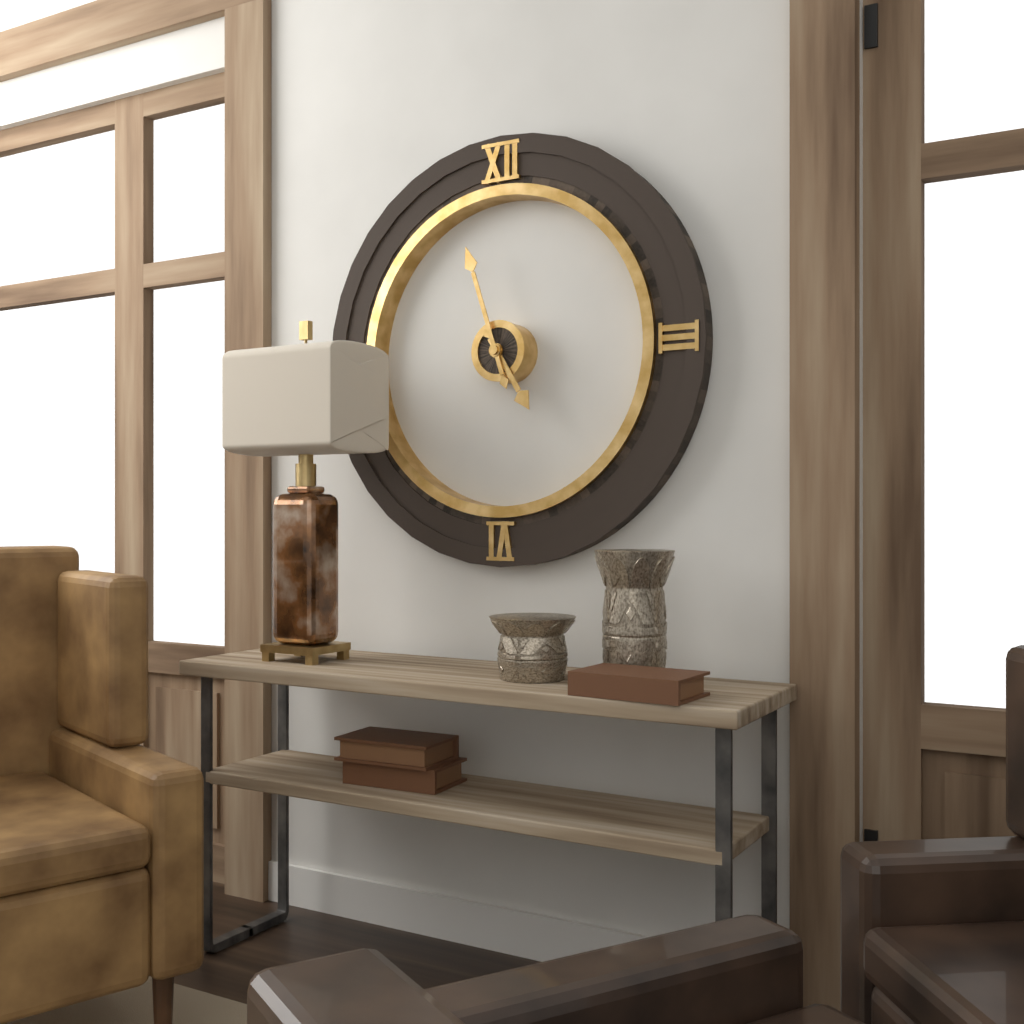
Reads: 4 h 57 min
